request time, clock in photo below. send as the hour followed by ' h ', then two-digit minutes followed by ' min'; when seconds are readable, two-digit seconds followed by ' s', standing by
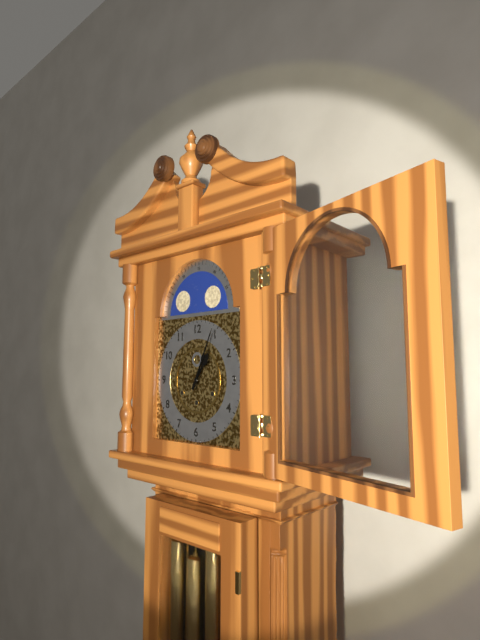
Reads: 1 h 04 min
